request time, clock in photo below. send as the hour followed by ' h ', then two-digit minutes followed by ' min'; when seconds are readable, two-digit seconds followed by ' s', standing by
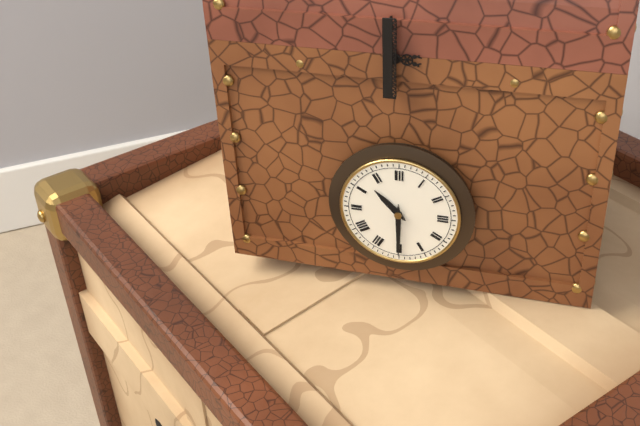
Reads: 10 h 30 min
